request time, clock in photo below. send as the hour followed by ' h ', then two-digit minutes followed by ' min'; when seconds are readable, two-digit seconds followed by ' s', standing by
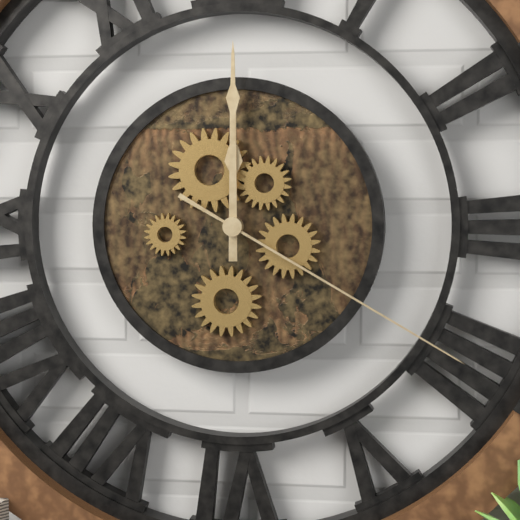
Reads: 12 h 00 min 20 s
